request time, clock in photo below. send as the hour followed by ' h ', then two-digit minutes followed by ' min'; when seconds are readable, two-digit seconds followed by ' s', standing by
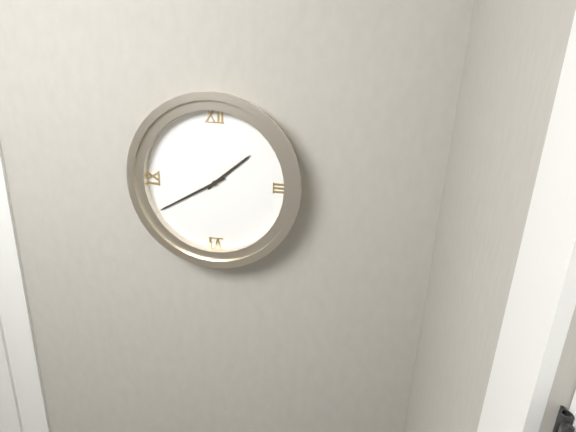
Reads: 1 h 40 min
